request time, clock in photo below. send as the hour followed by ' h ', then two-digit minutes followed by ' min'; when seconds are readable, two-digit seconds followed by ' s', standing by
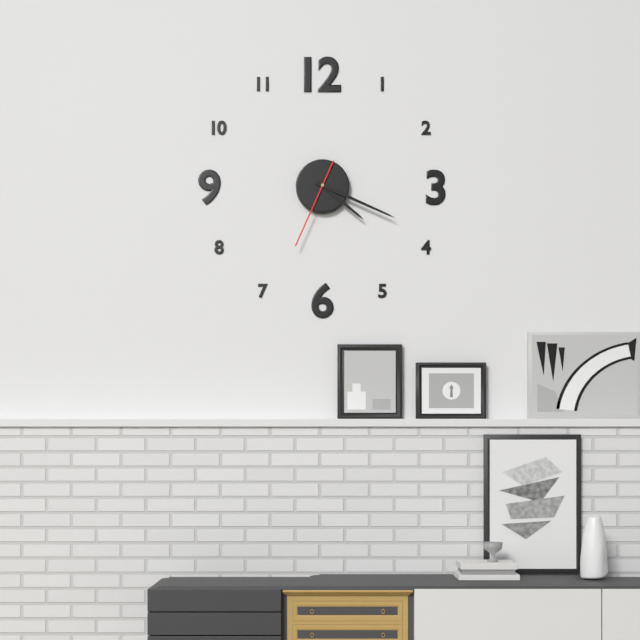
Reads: 4 h 19 min 34 s
